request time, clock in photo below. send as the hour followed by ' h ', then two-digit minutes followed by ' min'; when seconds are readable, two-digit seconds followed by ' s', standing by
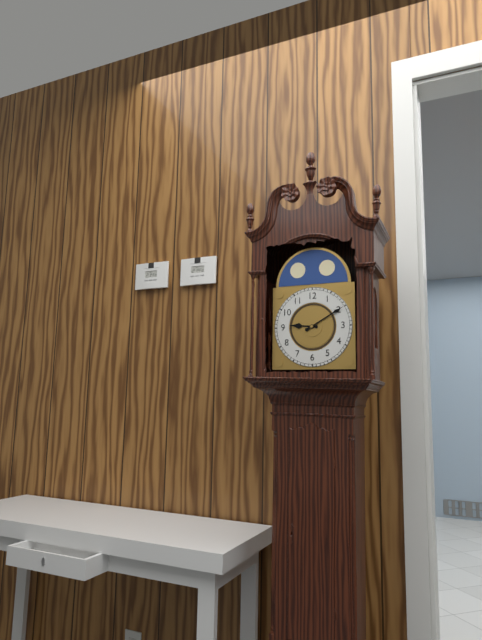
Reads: 9 h 10 min
